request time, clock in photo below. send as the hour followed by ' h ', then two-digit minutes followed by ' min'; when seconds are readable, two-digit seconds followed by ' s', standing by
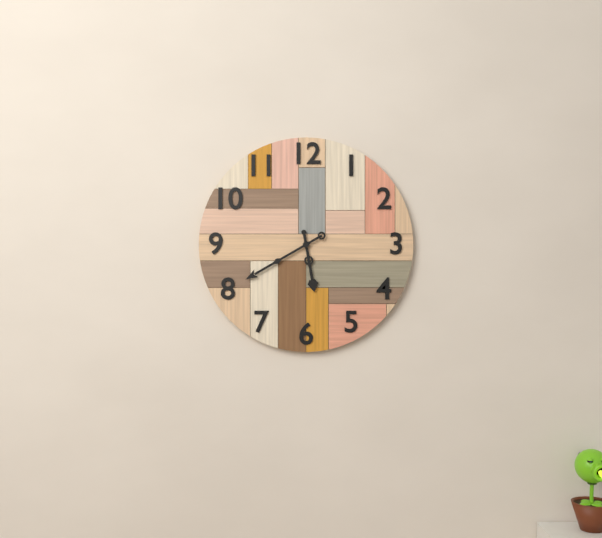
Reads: 5 h 40 min
